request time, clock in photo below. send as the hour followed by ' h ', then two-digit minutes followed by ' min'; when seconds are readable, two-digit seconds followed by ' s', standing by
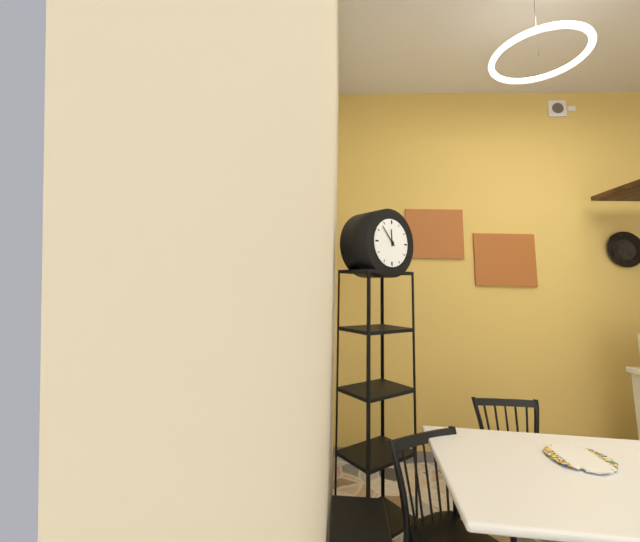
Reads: 11 h 53 min
